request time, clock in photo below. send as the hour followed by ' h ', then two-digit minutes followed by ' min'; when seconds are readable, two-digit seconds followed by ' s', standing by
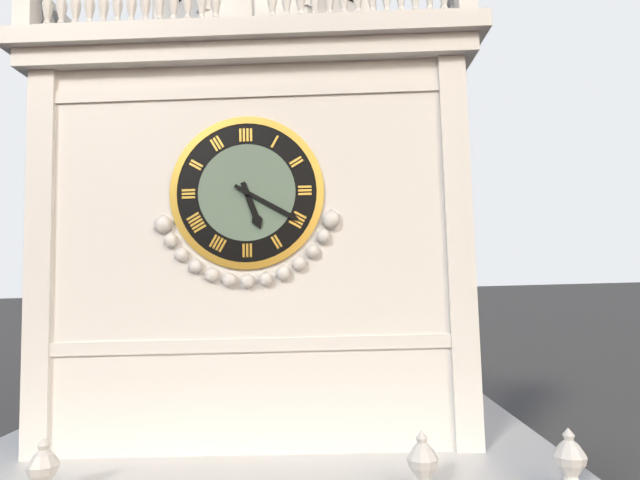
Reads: 5 h 20 min
